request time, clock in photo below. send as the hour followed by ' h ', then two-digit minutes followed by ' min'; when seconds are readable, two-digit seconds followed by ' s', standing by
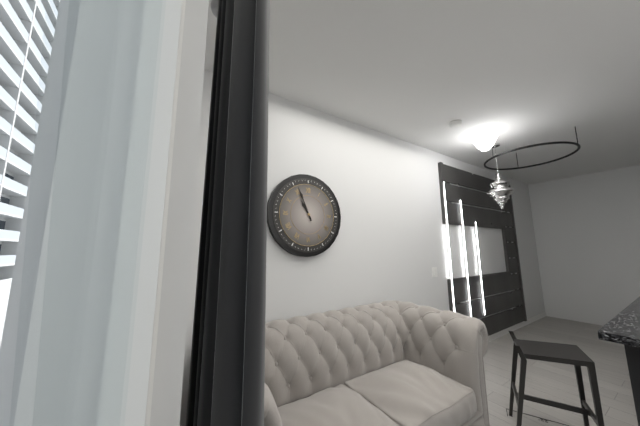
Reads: 10 h 56 min
